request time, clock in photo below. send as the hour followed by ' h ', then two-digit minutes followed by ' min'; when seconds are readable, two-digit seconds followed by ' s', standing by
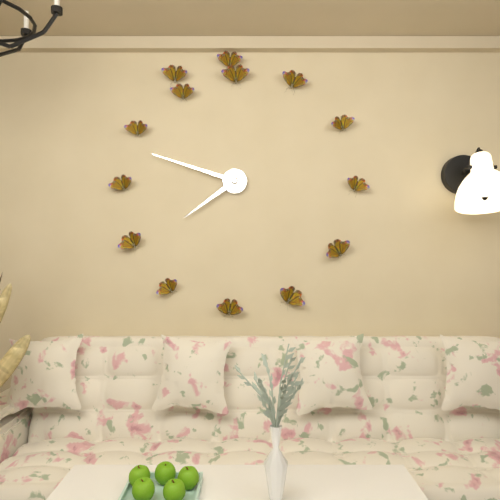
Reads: 7 h 48 min
